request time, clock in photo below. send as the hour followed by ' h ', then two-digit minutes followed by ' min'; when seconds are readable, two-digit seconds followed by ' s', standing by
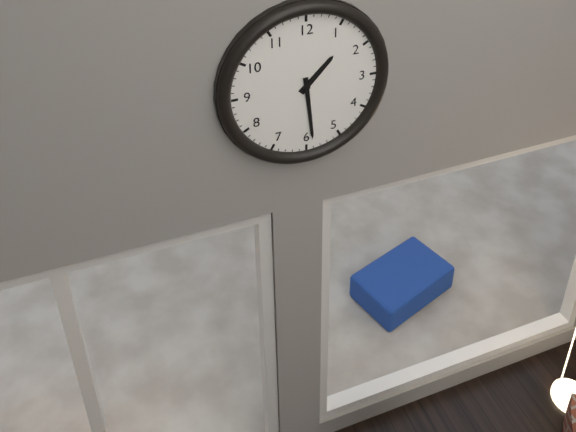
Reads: 1 h 29 min
